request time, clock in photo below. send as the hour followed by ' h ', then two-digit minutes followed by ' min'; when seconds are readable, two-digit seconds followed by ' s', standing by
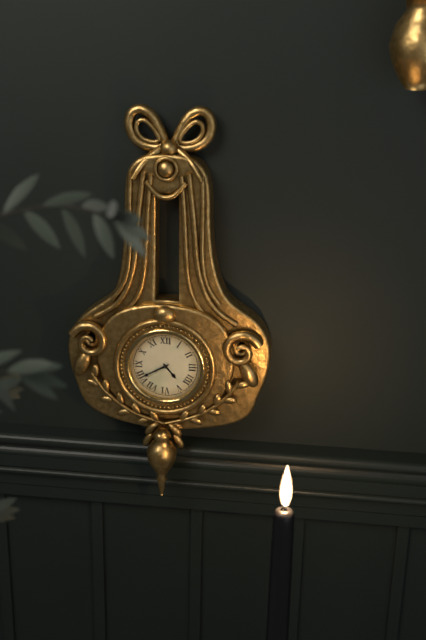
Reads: 4 h 40 min
